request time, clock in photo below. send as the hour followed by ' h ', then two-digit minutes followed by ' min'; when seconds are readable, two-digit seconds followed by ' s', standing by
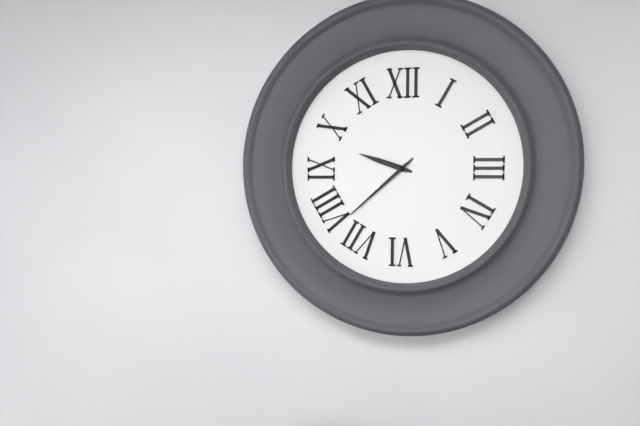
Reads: 9 h 38 min
